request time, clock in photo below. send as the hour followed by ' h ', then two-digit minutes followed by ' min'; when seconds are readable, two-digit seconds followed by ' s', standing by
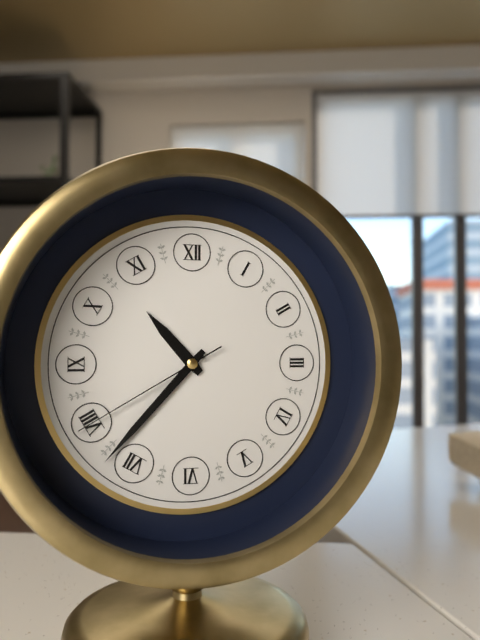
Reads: 10 h 37 min 40 s
